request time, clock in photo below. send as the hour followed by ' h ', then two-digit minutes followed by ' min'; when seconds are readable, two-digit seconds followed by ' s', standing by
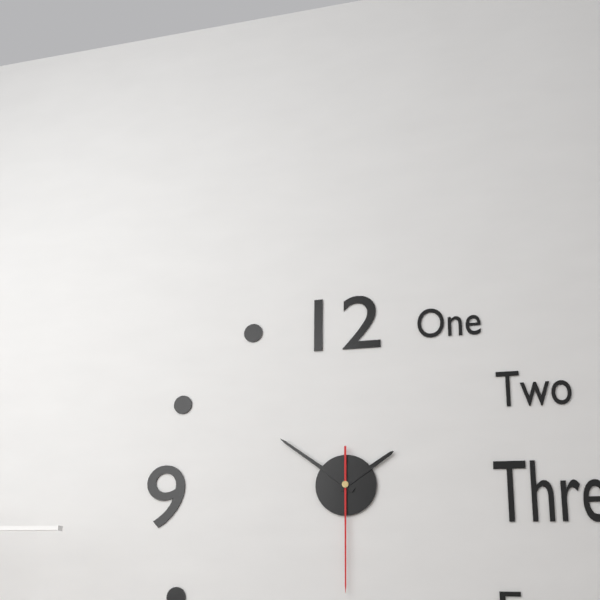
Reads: 1 h 51 min 30 s
